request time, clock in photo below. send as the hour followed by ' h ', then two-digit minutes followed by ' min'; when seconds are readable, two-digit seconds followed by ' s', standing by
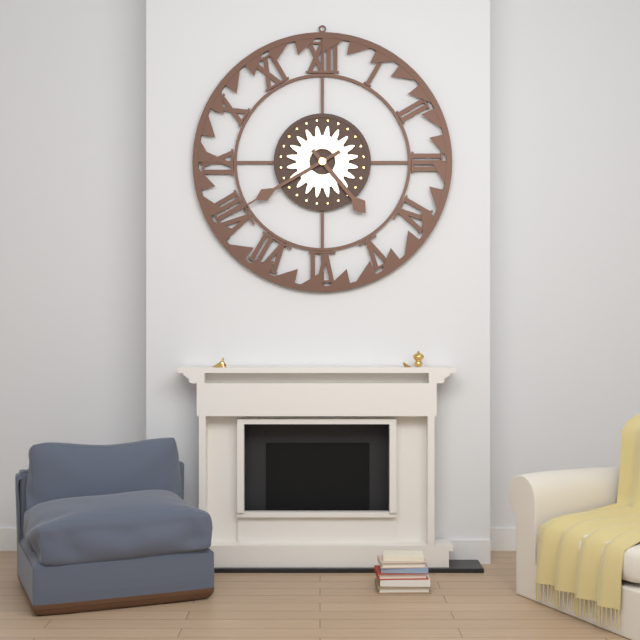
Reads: 4 h 40 min
